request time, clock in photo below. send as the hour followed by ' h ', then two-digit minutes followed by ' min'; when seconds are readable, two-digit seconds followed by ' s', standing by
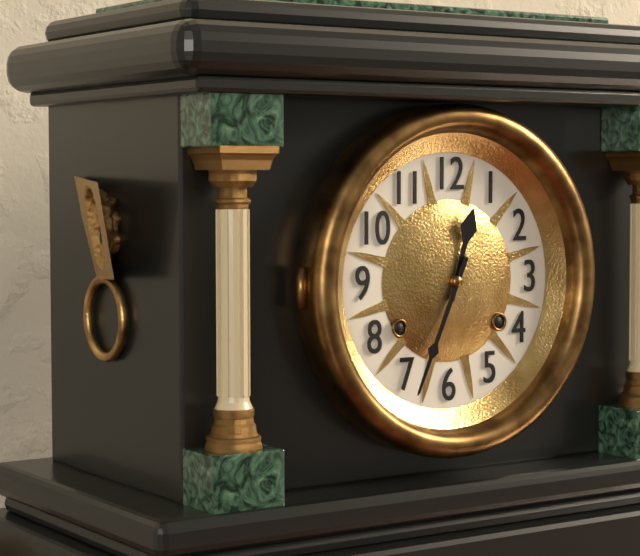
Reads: 12 h 34 min
